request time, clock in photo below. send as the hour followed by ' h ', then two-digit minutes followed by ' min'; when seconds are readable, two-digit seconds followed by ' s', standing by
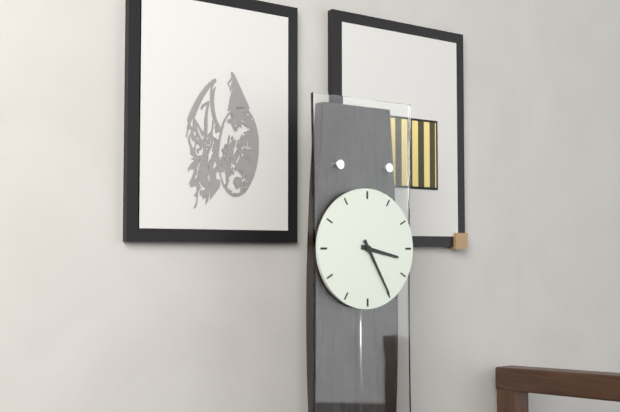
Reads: 3 h 25 min
